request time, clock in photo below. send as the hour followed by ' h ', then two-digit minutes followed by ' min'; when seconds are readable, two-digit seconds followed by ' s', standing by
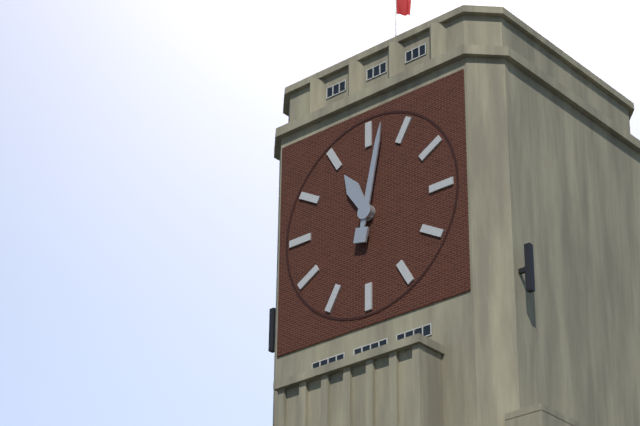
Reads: 11 h 02 min
